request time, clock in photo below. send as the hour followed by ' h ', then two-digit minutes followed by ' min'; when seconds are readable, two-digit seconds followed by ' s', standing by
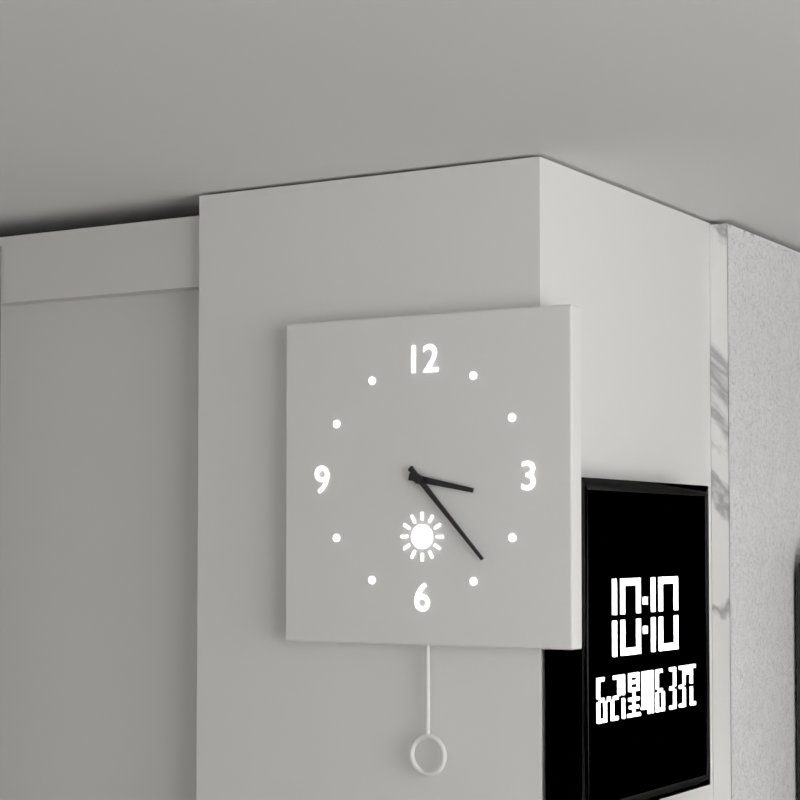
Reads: 3 h 23 min
